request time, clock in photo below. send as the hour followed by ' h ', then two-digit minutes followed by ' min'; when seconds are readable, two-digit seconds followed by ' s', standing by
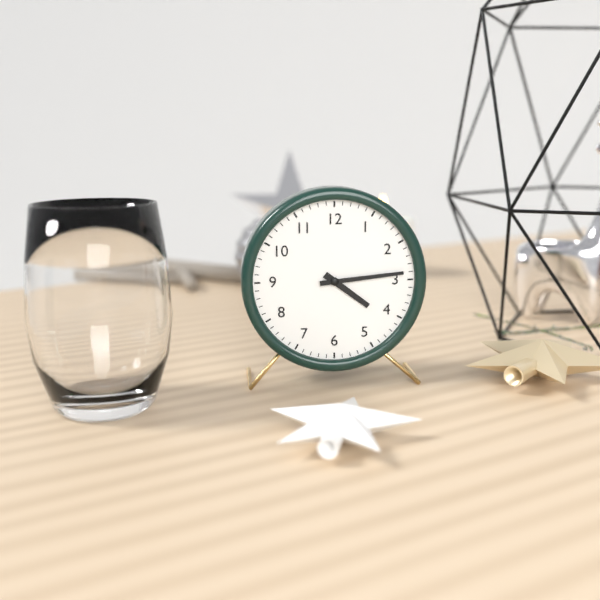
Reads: 4 h 14 min
